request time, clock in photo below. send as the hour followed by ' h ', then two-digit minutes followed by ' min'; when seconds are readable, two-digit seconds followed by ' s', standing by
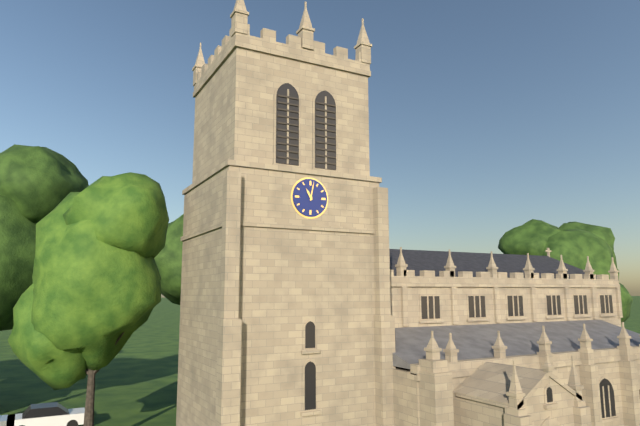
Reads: 11 h 02 min
